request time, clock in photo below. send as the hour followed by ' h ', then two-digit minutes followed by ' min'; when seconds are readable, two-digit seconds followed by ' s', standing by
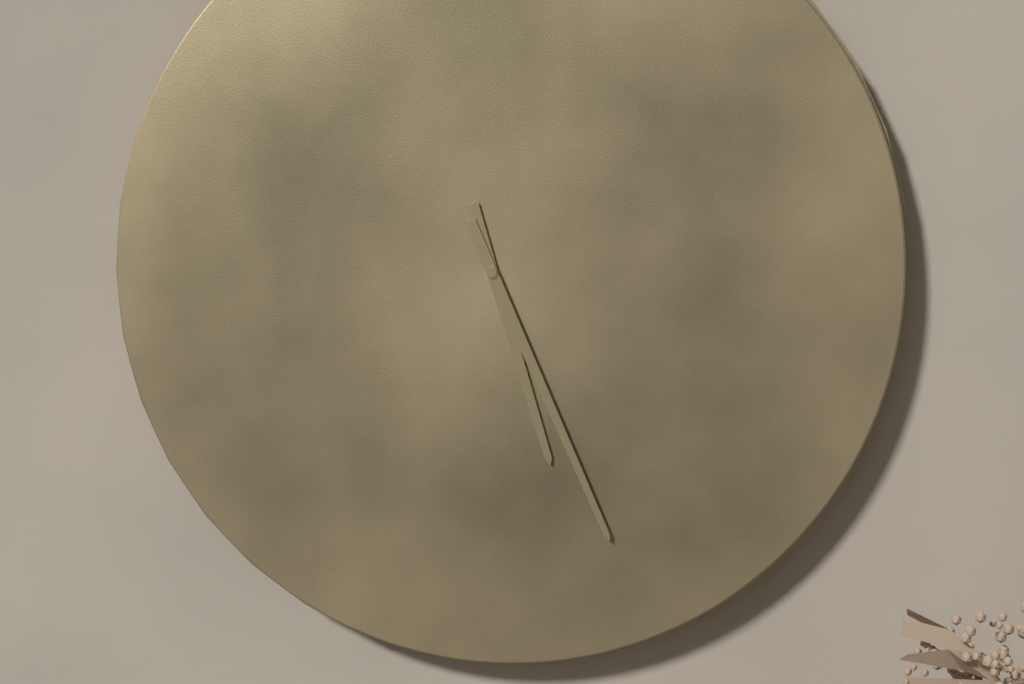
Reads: 5 h 26 min
